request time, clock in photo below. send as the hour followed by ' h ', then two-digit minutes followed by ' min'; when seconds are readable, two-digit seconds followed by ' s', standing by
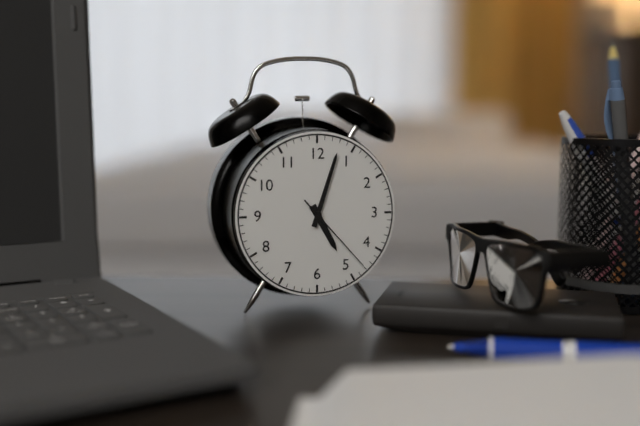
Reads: 5 h 03 min 23 s
